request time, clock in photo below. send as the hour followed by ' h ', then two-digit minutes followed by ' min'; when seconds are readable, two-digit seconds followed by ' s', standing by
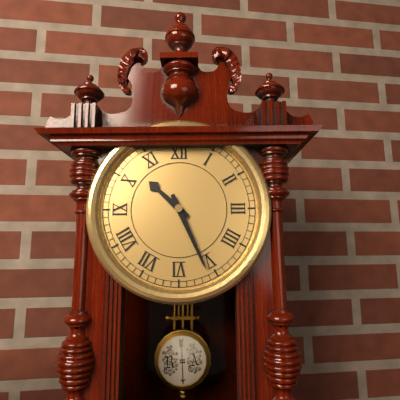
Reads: 10 h 26 min
